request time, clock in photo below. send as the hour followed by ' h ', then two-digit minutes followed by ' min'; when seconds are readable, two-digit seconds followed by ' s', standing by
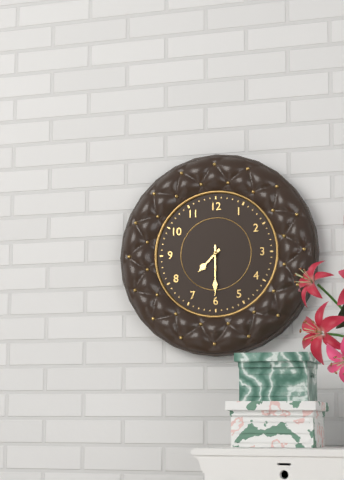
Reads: 7 h 30 min
